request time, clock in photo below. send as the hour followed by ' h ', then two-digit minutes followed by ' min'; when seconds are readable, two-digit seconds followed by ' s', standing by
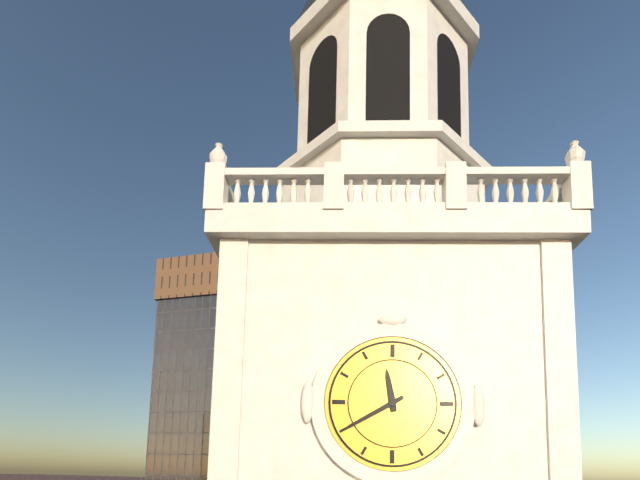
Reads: 11 h 40 min
